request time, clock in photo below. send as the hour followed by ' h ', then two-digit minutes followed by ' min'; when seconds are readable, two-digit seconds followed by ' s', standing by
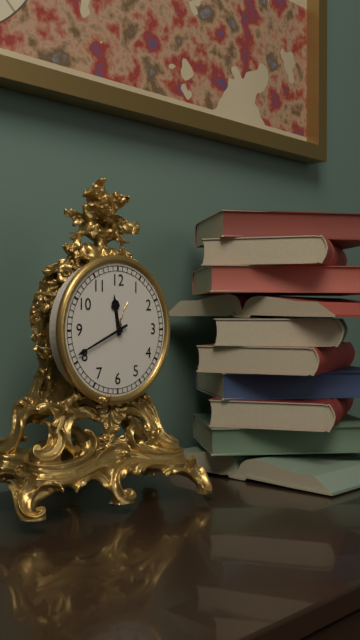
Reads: 11 h 41 min
